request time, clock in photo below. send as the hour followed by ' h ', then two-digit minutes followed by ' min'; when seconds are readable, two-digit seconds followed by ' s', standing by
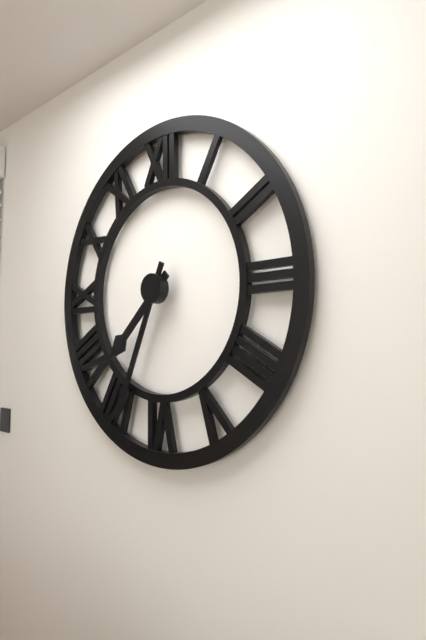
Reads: 7 h 34 min
